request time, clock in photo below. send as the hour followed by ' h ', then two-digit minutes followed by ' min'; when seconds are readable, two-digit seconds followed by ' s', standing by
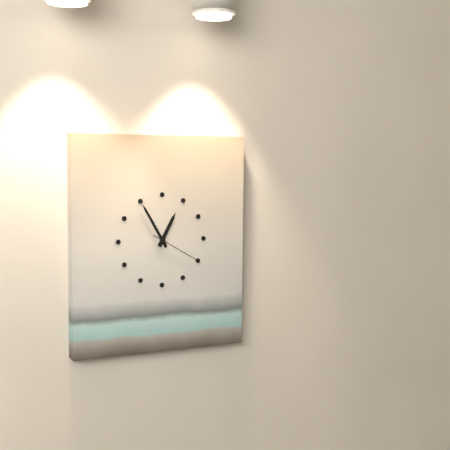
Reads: 12 h 55 min 20 s
